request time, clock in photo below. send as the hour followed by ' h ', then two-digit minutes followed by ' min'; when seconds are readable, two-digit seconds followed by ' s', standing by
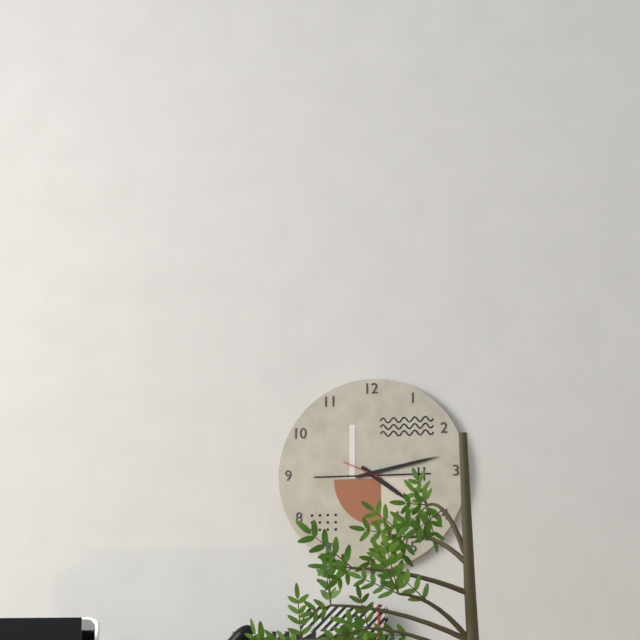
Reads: 4 h 13 min
